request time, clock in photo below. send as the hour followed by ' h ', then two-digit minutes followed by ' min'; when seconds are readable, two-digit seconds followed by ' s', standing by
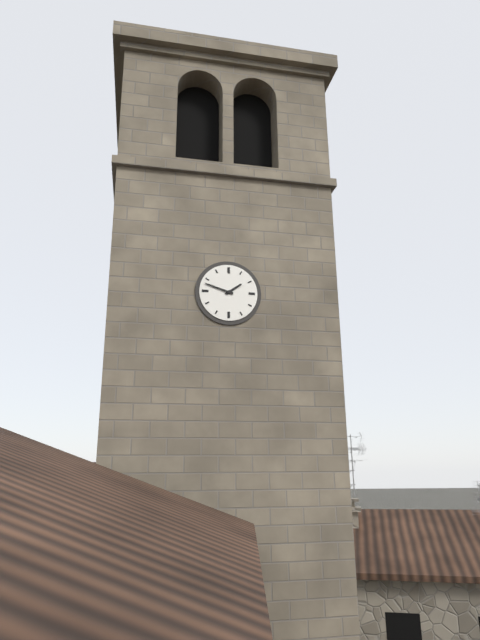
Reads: 1 h 48 min
